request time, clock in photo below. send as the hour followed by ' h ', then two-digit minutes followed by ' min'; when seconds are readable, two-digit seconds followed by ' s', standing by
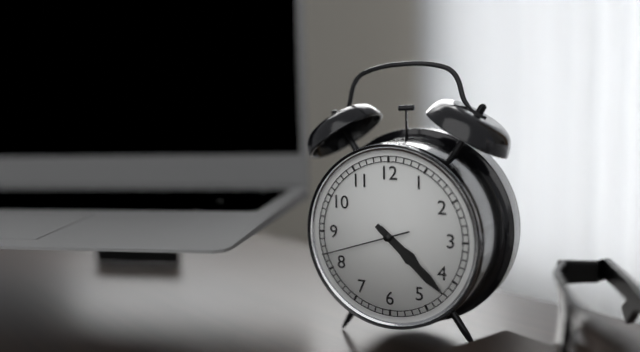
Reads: 4 h 22 min 42 s
